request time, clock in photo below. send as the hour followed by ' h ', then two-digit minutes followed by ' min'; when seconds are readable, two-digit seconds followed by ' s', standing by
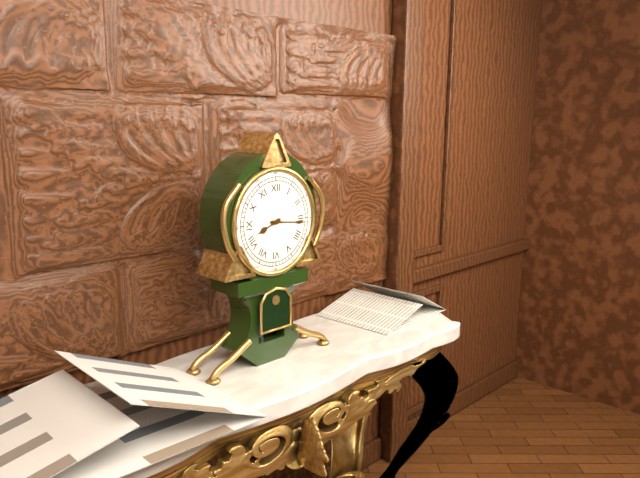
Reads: 8 h 16 min
